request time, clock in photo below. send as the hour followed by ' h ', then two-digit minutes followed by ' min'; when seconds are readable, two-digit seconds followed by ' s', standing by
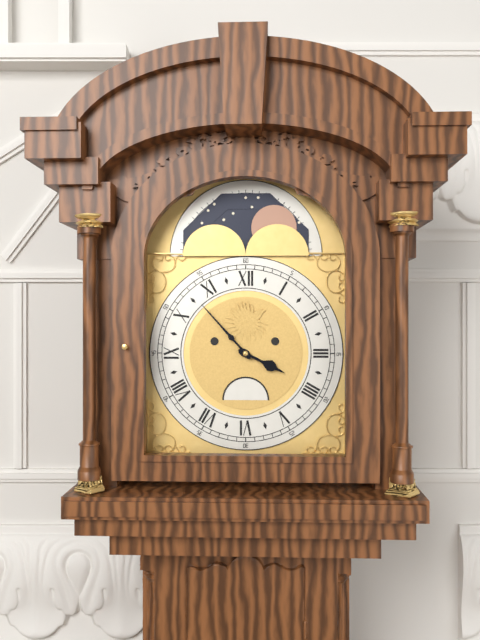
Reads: 3 h 53 min
